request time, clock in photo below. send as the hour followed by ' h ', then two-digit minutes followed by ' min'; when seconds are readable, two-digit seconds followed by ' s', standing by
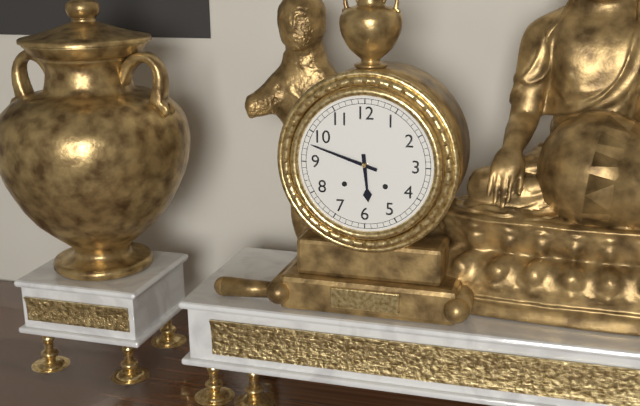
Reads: 5 h 48 min
